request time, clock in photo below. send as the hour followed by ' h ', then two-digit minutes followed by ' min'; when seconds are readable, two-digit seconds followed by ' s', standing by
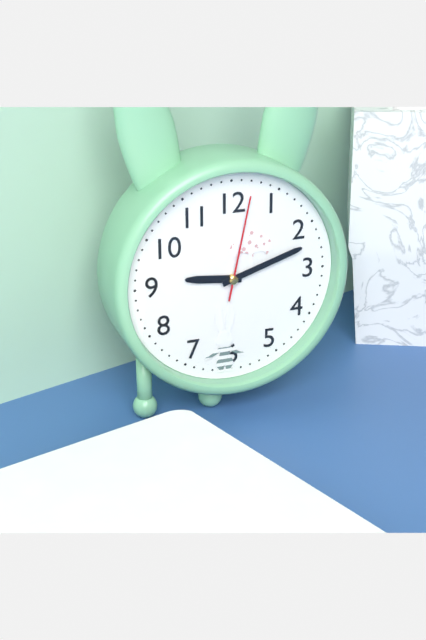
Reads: 9 h 12 min 02 s
